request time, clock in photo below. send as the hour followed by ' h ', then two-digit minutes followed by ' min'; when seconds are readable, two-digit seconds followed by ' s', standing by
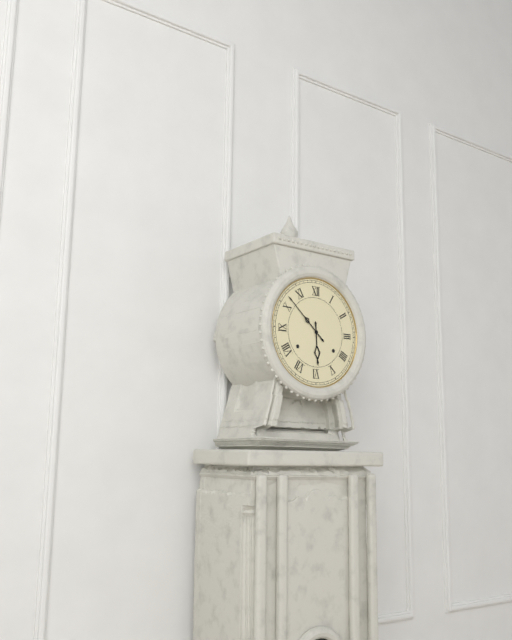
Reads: 5 h 52 min
